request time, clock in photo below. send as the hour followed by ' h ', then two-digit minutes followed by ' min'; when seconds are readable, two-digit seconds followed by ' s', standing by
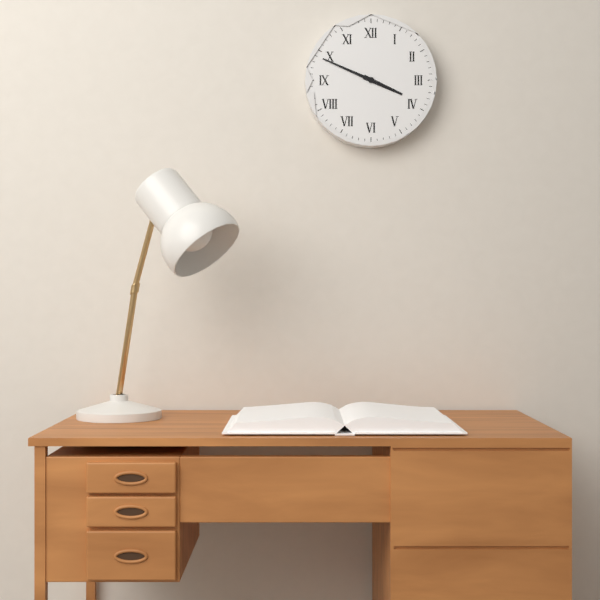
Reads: 3 h 49 min
